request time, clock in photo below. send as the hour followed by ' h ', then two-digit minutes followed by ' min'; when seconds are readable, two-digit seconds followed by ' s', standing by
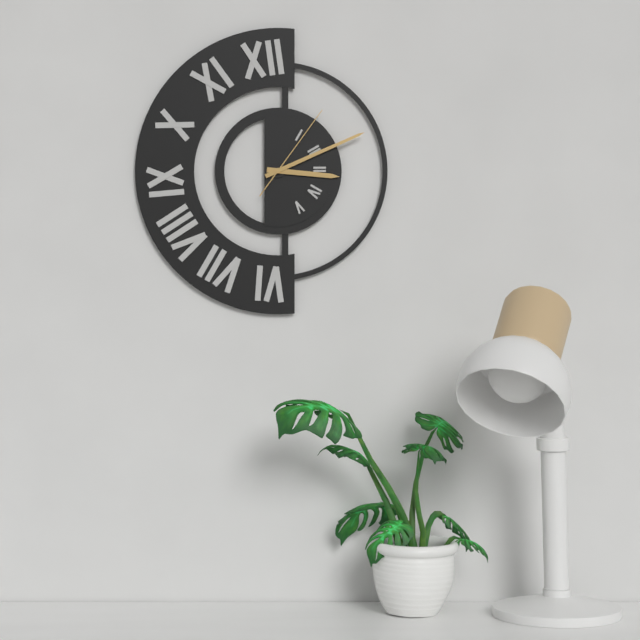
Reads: 3 h 11 min 06 s
